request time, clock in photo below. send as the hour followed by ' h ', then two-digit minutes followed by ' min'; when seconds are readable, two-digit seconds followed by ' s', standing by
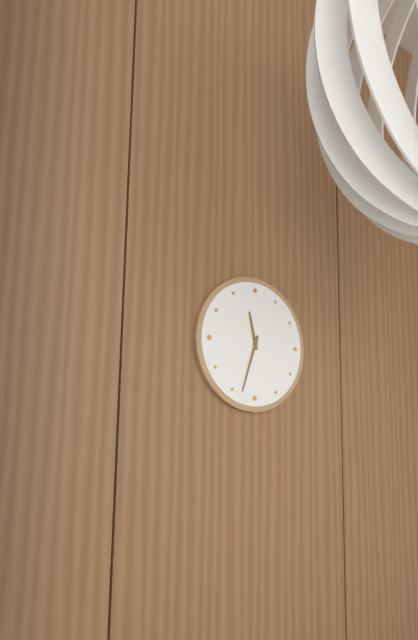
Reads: 11 h 33 min
